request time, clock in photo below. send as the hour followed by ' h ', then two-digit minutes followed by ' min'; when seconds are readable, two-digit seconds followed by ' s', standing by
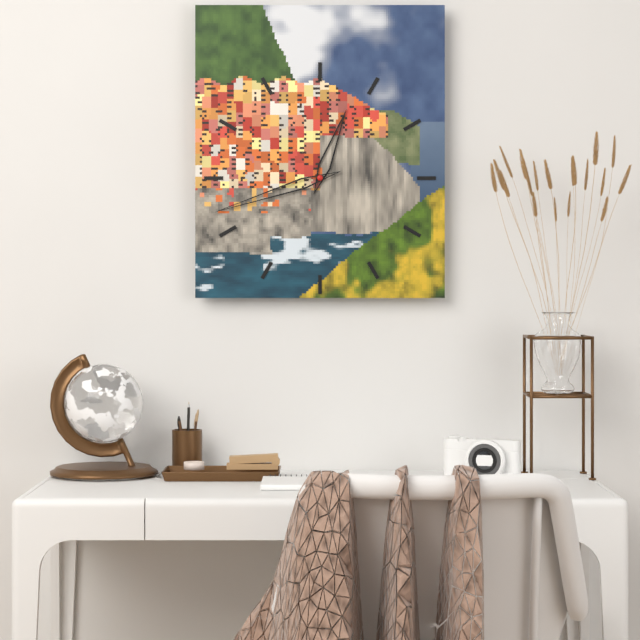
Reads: 12 h 42 min
